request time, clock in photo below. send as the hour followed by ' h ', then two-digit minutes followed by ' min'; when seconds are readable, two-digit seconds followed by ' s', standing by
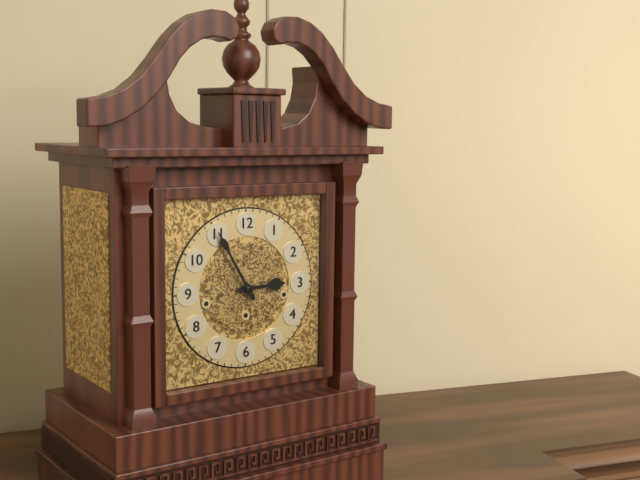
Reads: 2 h 55 min
